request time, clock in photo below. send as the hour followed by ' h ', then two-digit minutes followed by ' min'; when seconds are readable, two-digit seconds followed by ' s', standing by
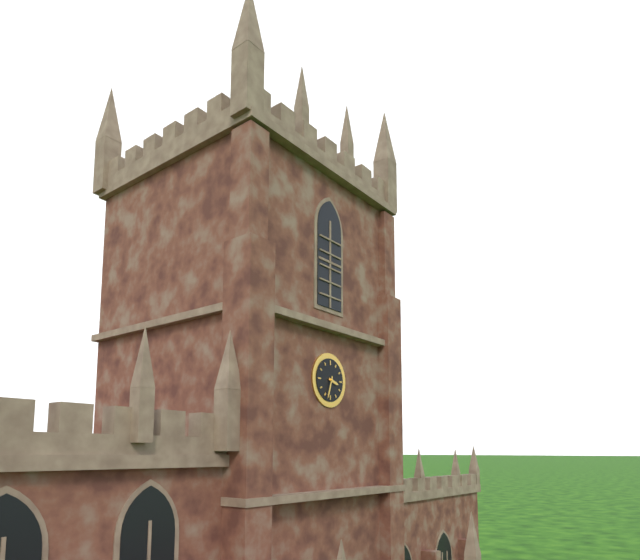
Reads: 3 h 33 min
